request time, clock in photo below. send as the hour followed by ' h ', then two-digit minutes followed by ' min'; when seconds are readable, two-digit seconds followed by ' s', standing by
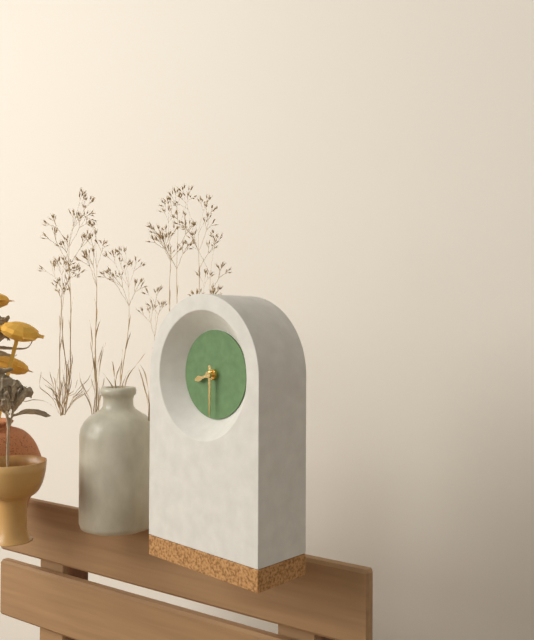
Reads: 8 h 30 min
